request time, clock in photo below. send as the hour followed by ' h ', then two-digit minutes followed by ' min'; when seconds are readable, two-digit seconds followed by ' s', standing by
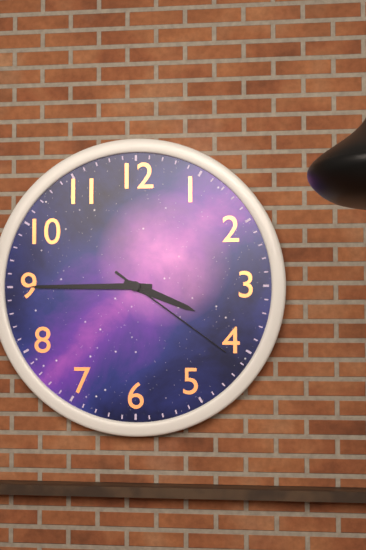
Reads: 3 h 45 min 21 s
